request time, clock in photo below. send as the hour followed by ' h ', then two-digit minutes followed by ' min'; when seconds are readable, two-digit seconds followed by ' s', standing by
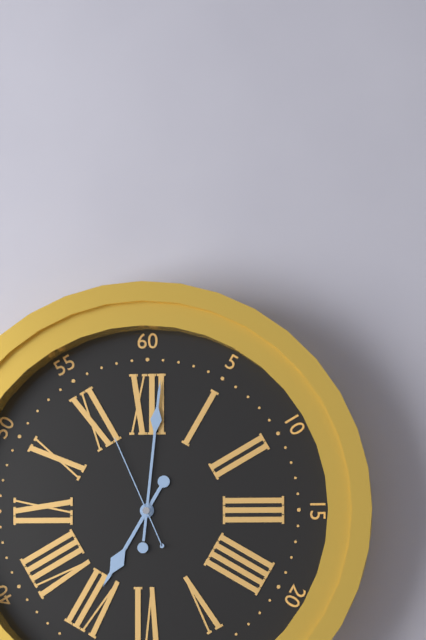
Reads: 7 h 01 min 56 s
